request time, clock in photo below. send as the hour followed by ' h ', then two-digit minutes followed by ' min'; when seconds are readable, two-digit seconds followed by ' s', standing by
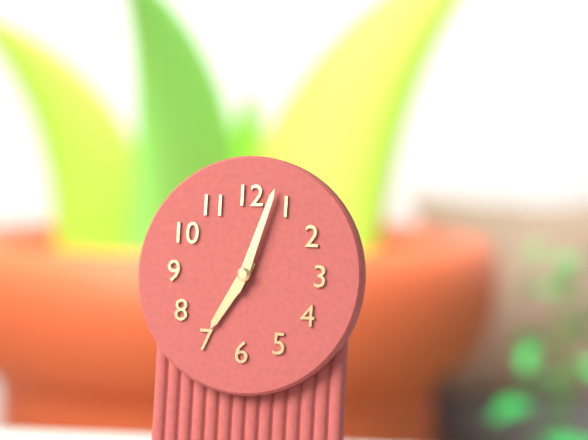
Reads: 7 h 03 min
